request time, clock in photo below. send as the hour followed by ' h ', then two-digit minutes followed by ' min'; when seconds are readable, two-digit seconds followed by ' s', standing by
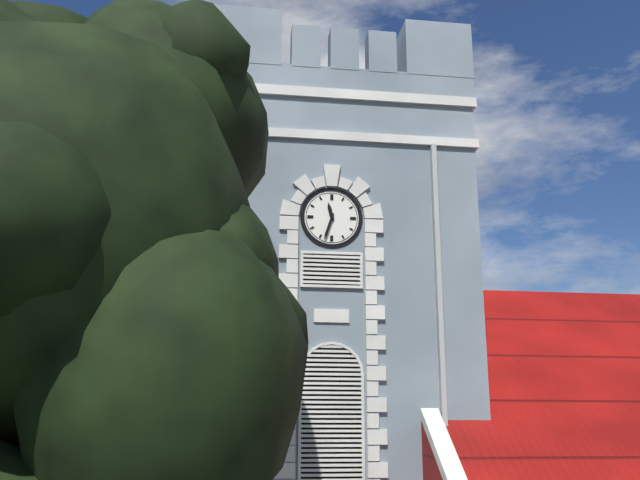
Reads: 11 h 33 min
